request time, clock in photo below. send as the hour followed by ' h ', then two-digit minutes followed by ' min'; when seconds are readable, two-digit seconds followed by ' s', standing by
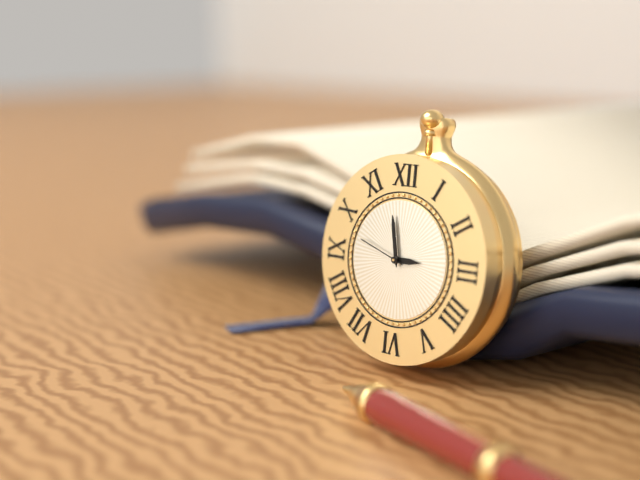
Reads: 2 h 58 min 48 s
